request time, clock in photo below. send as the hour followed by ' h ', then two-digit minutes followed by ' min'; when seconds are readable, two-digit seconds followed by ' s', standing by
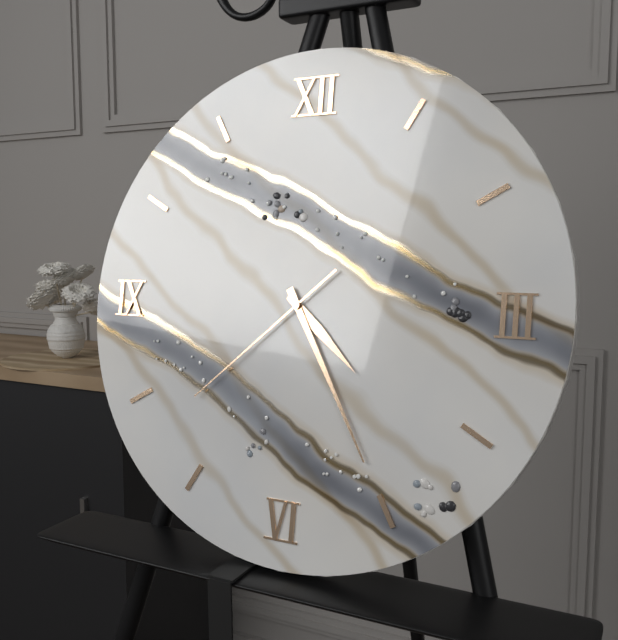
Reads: 4 h 25 min 38 s
